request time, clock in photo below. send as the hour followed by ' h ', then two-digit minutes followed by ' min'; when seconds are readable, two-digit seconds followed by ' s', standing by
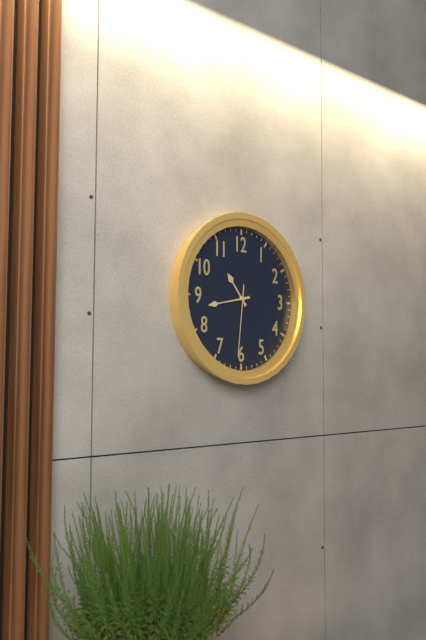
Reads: 10 h 43 min 31 s
